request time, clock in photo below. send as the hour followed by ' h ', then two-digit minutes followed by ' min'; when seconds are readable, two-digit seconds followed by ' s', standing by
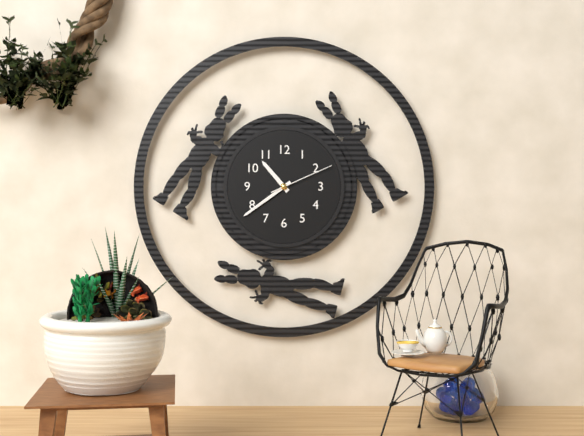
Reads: 10 h 39 min 11 s
